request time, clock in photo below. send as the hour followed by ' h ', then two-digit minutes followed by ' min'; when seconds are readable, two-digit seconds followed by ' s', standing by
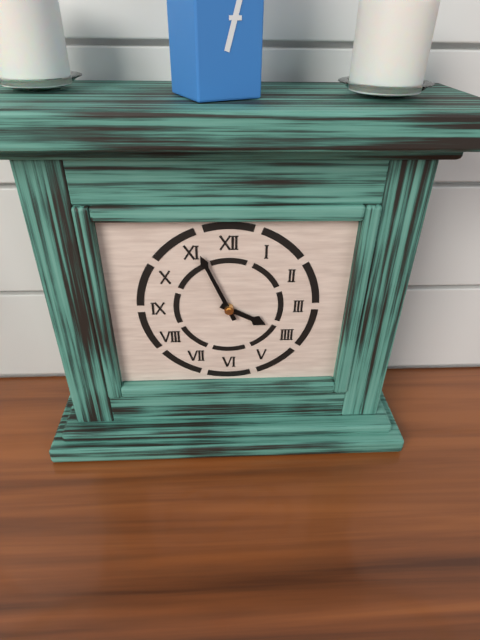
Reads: 3 h 56 min
